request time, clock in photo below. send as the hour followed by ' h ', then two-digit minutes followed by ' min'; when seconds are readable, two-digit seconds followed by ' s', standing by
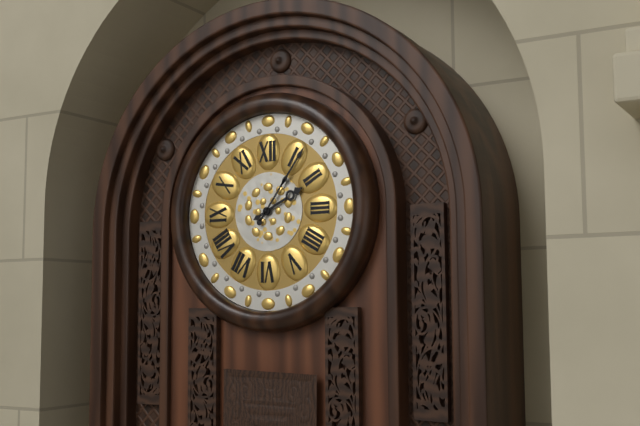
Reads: 2 h 06 min
